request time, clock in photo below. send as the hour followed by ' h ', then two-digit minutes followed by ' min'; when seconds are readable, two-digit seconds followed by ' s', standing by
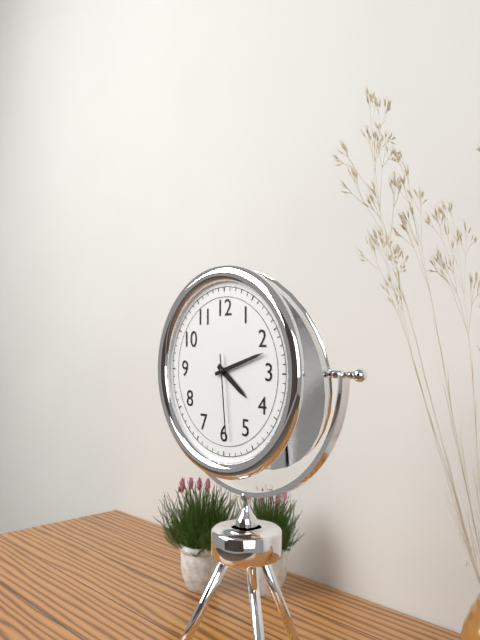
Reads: 4 h 12 min 29 s
